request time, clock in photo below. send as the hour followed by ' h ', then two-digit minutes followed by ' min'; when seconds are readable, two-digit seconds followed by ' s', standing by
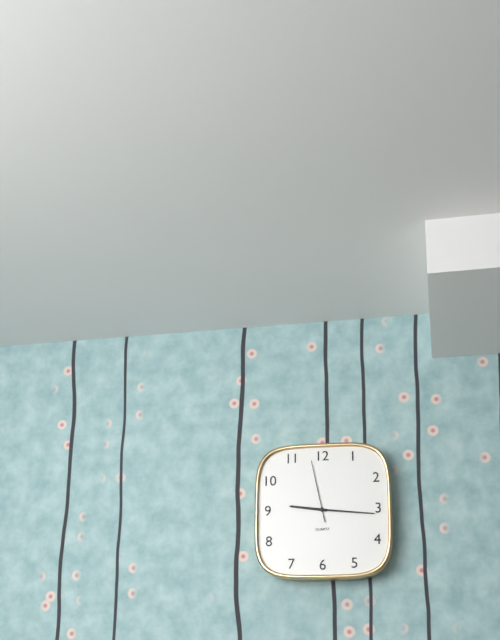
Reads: 9 h 16 min 58 s
